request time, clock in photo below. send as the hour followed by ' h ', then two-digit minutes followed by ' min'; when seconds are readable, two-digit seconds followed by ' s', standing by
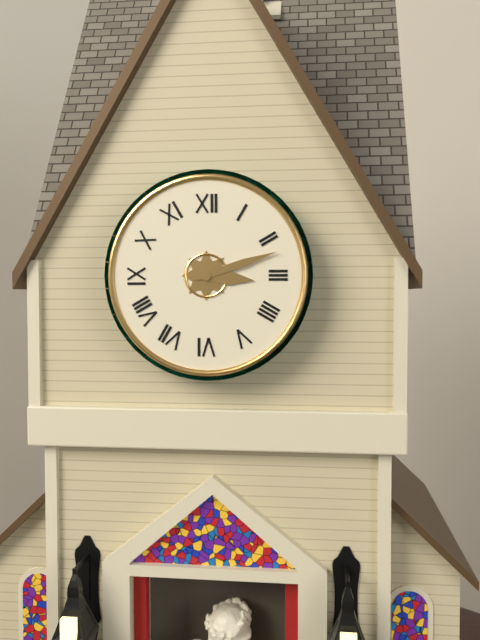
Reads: 3 h 12 min
